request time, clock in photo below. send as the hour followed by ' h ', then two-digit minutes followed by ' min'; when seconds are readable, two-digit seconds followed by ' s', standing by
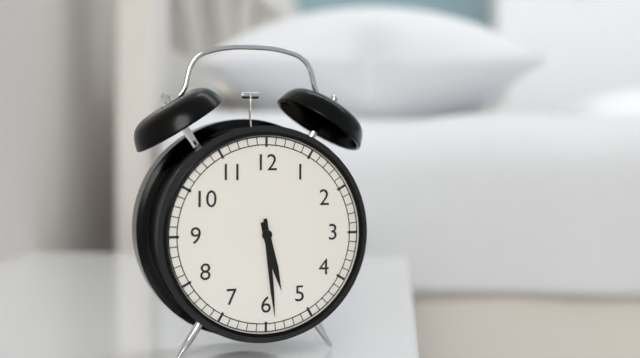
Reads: 5 h 29 min
